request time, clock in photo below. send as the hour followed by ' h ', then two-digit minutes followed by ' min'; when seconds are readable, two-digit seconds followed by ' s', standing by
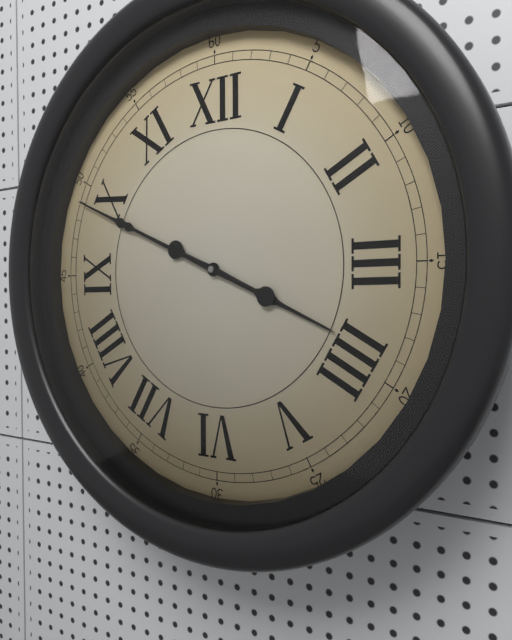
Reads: 3 h 49 min
